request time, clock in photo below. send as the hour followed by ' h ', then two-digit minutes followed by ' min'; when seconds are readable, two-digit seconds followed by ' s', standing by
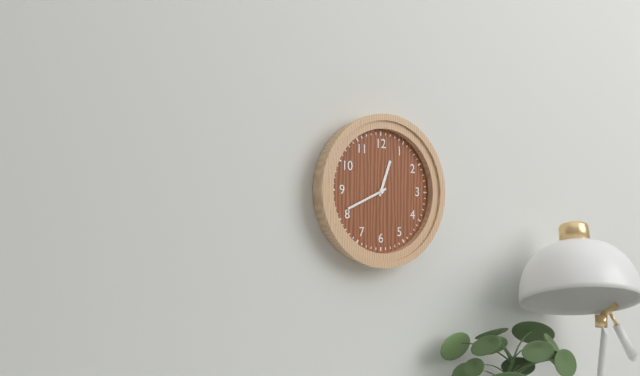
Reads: 12 h 41 min
